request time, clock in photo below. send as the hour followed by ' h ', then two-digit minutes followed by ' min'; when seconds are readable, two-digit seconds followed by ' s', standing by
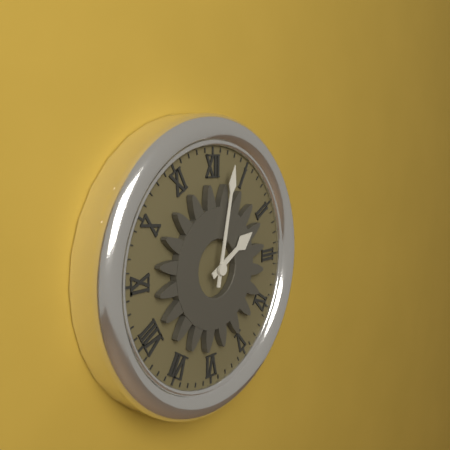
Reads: 2 h 02 min
